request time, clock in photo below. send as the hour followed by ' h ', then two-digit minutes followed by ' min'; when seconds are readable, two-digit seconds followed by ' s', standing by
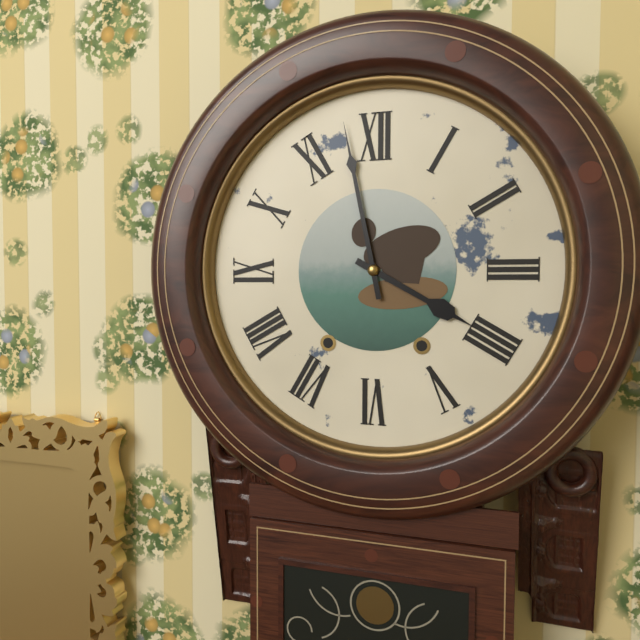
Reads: 3 h 58 min
